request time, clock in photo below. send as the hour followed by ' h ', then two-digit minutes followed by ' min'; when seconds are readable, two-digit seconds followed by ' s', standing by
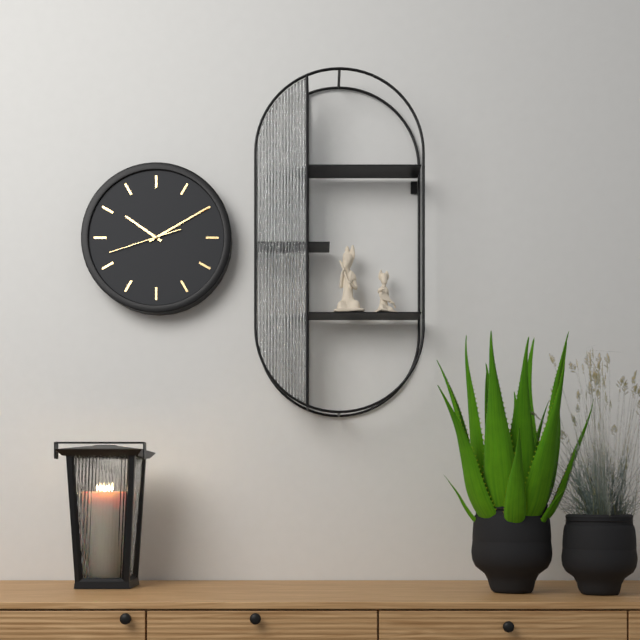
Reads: 10 h 10 min 42 s
